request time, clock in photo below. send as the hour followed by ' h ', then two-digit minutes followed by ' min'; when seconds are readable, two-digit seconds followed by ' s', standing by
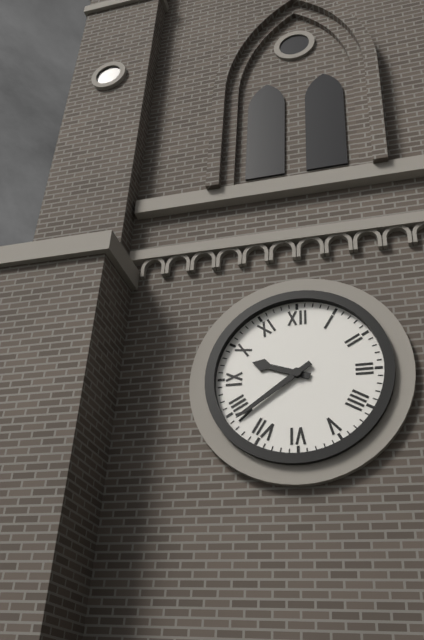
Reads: 9 h 39 min
